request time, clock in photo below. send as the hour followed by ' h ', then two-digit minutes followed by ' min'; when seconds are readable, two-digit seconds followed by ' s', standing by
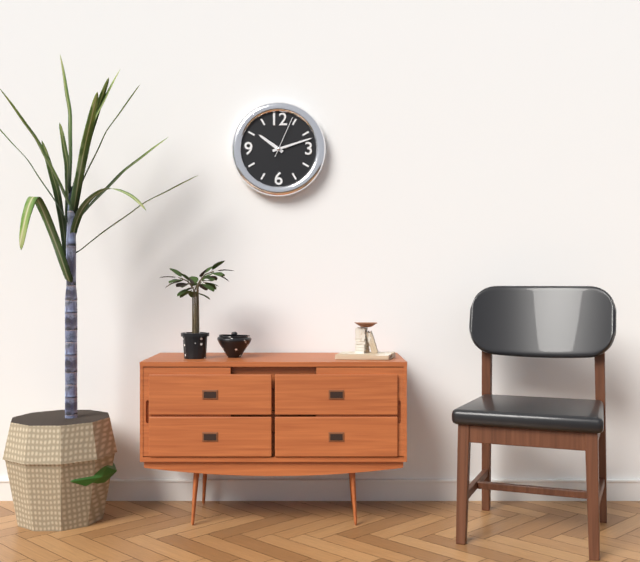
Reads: 10 h 12 min
